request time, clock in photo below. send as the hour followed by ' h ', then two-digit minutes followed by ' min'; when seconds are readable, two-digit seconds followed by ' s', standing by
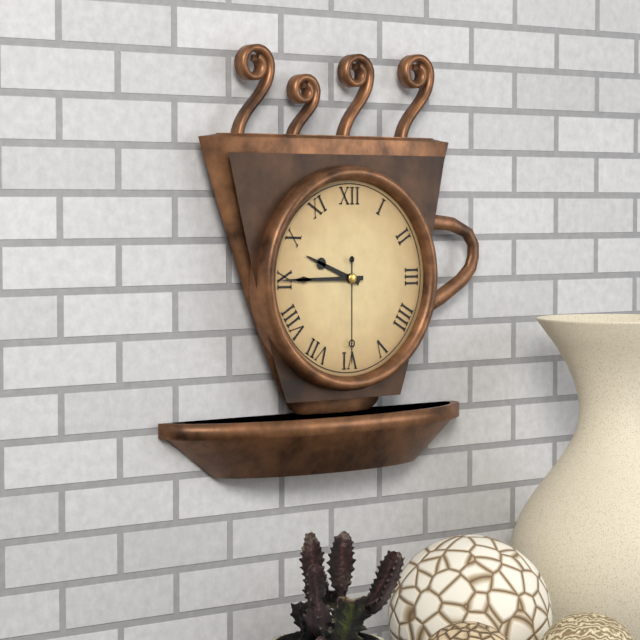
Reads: 9 h 45 min 30 s
